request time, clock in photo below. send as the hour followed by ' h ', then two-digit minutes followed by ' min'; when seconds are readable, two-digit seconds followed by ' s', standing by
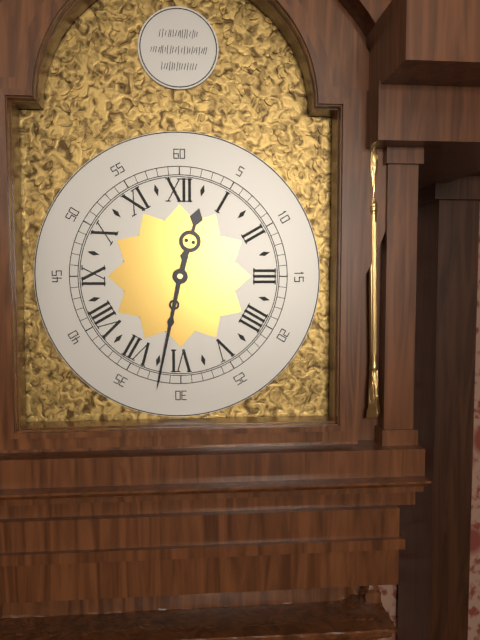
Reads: 12 h 32 min
